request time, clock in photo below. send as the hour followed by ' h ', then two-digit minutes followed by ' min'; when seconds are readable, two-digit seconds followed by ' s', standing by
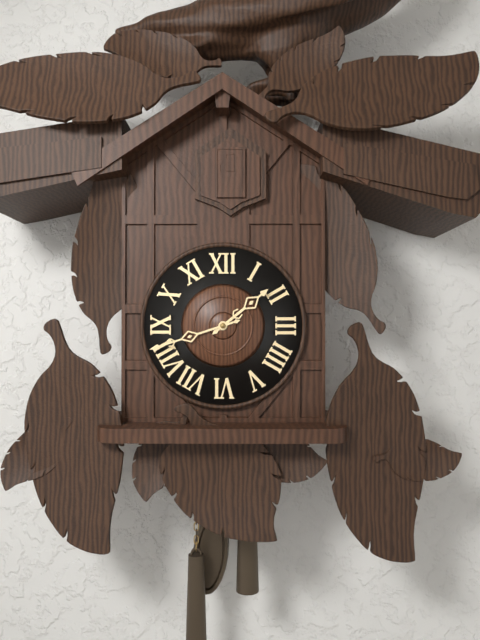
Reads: 1 h 42 min
